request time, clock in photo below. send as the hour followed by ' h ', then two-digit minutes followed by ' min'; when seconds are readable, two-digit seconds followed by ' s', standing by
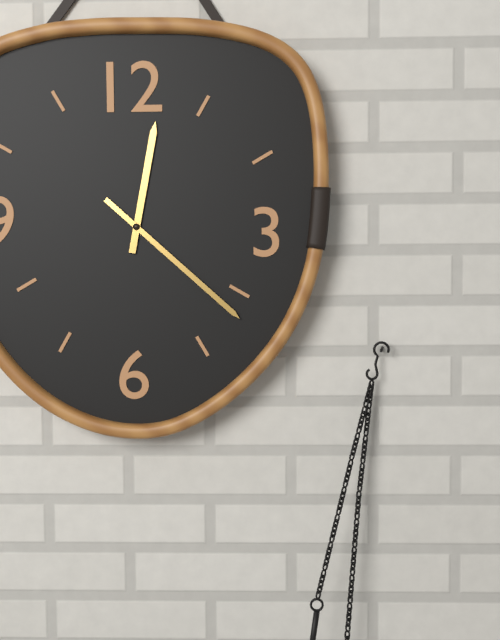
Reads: 12 h 22 min
